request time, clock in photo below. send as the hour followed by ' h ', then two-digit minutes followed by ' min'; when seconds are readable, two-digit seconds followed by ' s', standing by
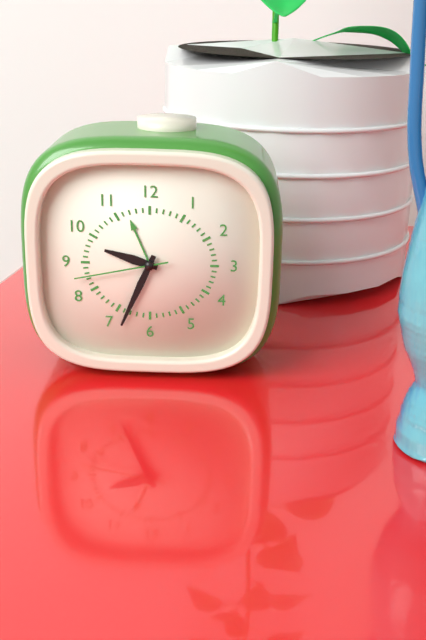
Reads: 9 h 34 min 43 s
